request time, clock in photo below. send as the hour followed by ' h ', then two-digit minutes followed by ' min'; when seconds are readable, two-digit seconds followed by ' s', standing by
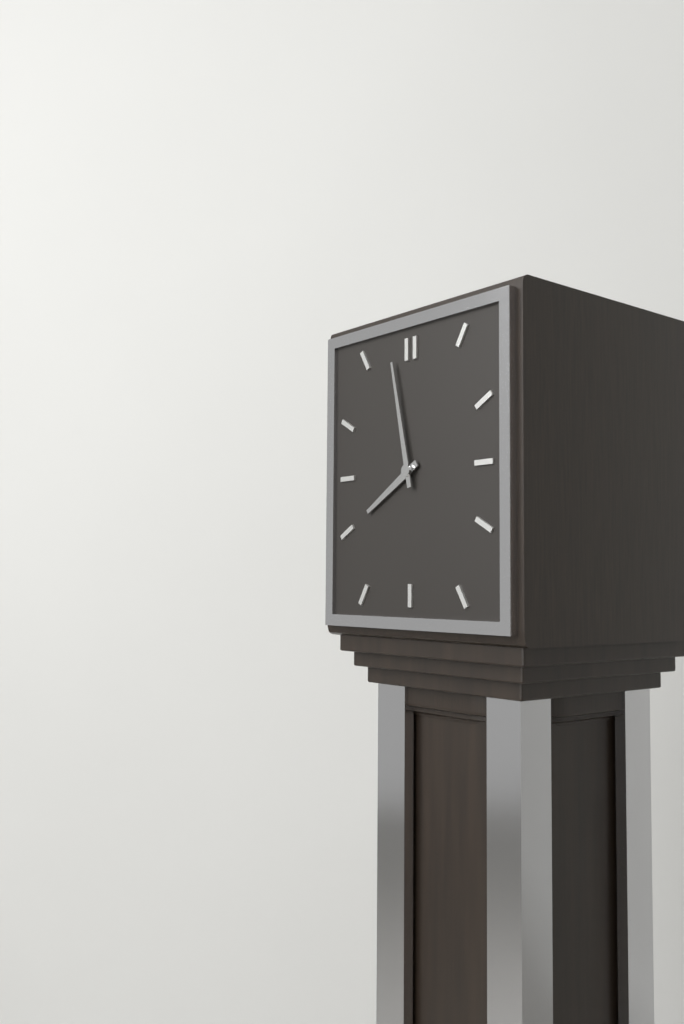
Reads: 7 h 58 min
